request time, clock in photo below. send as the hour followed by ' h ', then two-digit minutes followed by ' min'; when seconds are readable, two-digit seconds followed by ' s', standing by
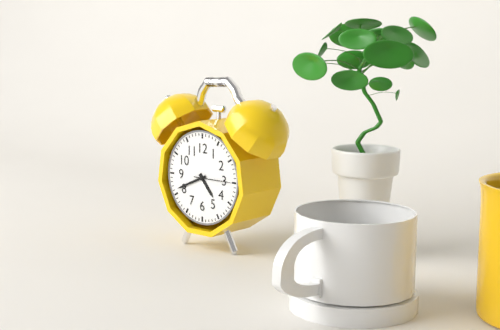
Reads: 4 h 41 min
